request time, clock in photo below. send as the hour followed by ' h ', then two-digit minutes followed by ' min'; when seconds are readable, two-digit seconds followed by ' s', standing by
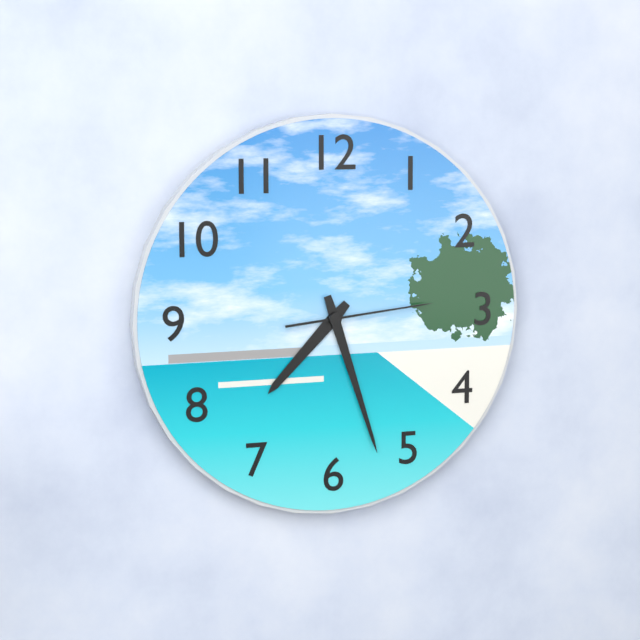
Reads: 7 h 27 min 14 s
